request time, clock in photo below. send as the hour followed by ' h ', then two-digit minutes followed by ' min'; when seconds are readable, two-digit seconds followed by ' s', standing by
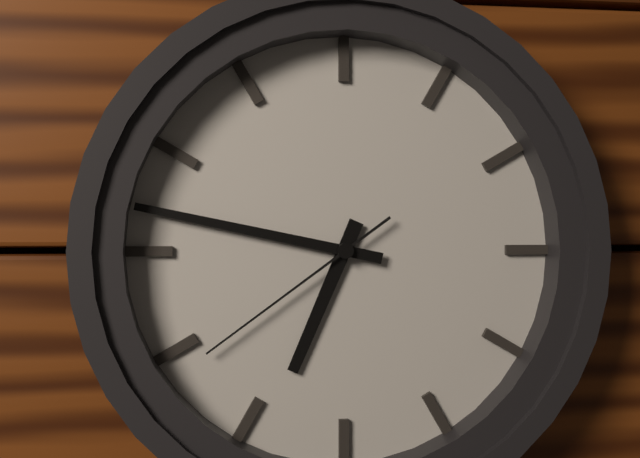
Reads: 6 h 47 min 39 s
